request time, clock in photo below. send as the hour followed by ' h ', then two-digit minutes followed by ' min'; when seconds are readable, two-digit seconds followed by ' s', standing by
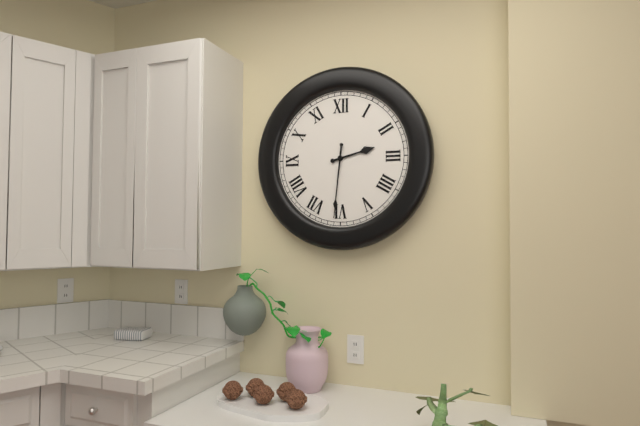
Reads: 2 h 31 min
